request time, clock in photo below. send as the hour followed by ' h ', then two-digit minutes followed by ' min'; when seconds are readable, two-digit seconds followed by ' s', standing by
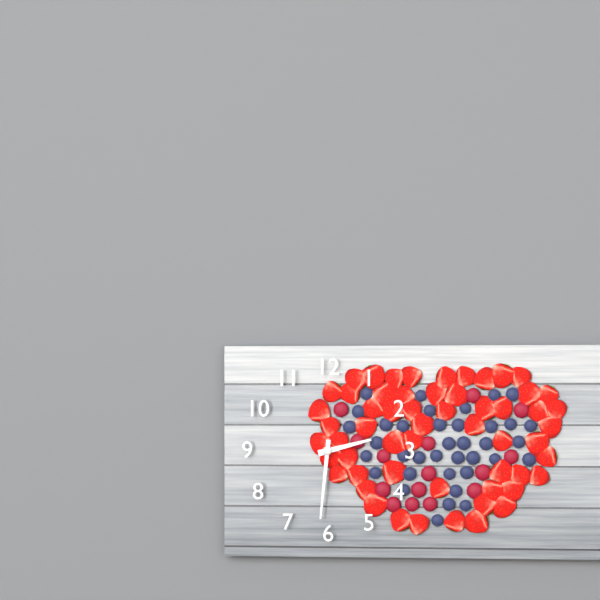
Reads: 2 h 31 min
